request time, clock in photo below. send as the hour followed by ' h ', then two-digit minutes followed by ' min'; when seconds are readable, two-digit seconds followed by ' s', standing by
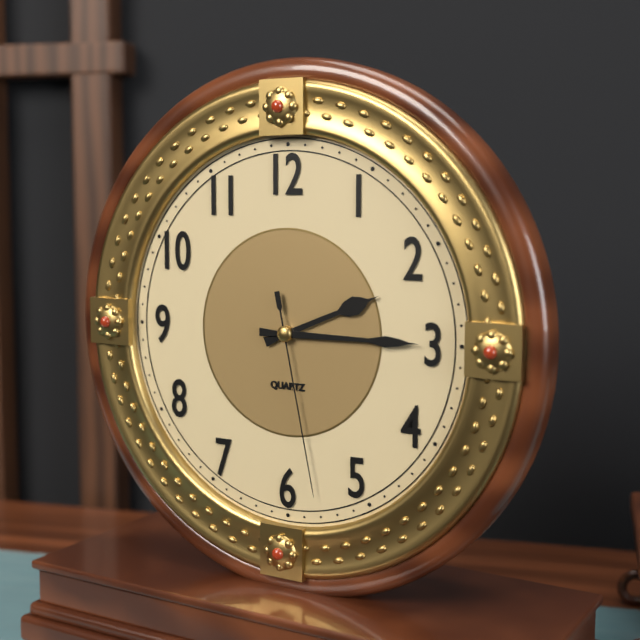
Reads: 2 h 15 min 28 s
